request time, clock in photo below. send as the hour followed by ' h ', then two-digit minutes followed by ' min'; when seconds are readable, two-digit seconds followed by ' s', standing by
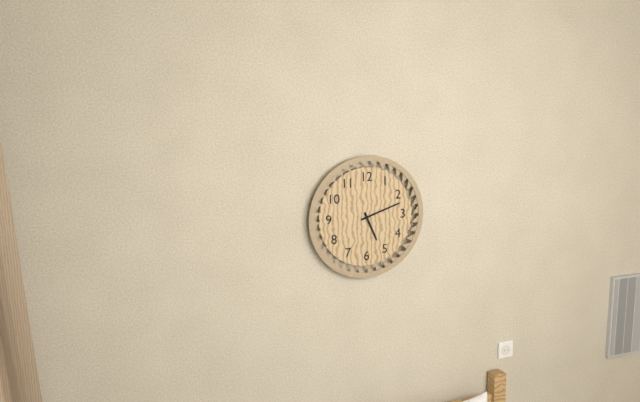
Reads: 5 h 12 min
